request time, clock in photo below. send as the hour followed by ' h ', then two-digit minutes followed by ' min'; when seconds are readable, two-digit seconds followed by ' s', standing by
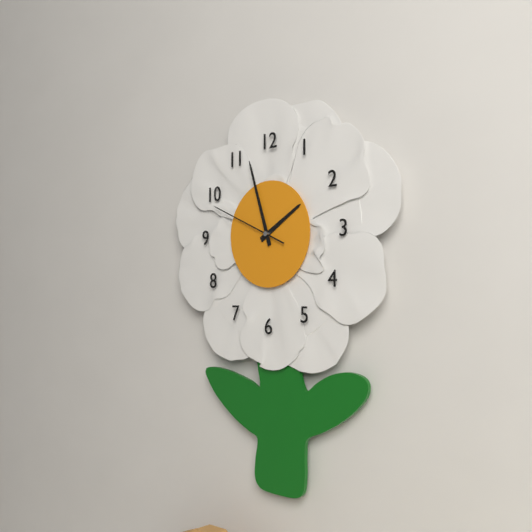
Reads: 1 h 57 min 49 s
